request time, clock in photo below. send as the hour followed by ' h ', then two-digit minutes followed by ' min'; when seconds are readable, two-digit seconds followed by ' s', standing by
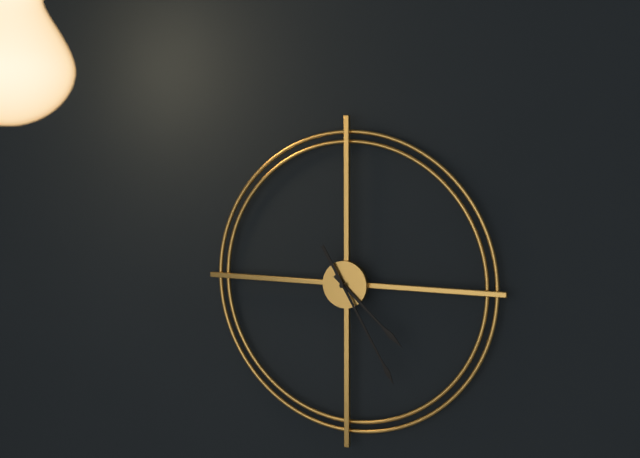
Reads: 4 h 25 min
